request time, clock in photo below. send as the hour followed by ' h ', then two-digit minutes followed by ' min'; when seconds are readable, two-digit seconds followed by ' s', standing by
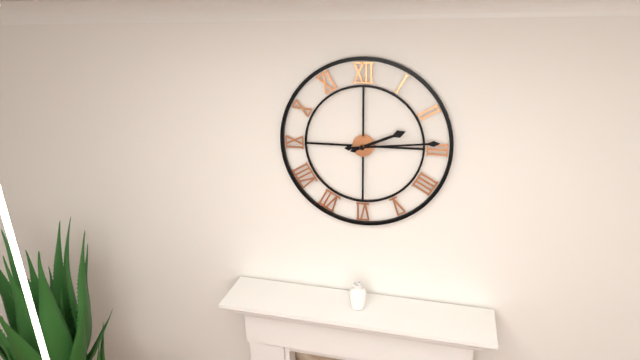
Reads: 2 h 14 min
